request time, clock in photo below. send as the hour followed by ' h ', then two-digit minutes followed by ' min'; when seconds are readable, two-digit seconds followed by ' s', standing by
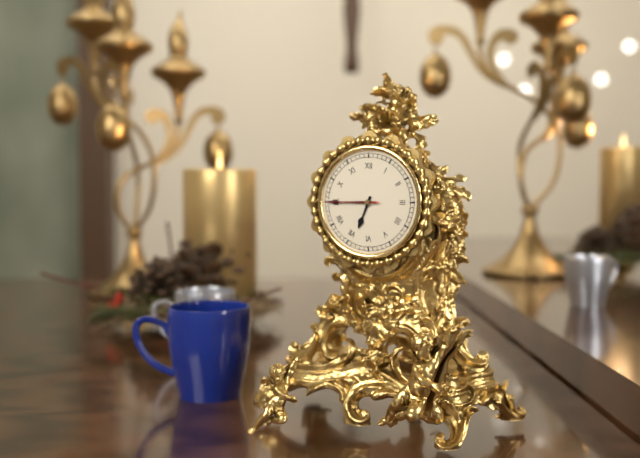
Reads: 6 h 45 min 45 s
